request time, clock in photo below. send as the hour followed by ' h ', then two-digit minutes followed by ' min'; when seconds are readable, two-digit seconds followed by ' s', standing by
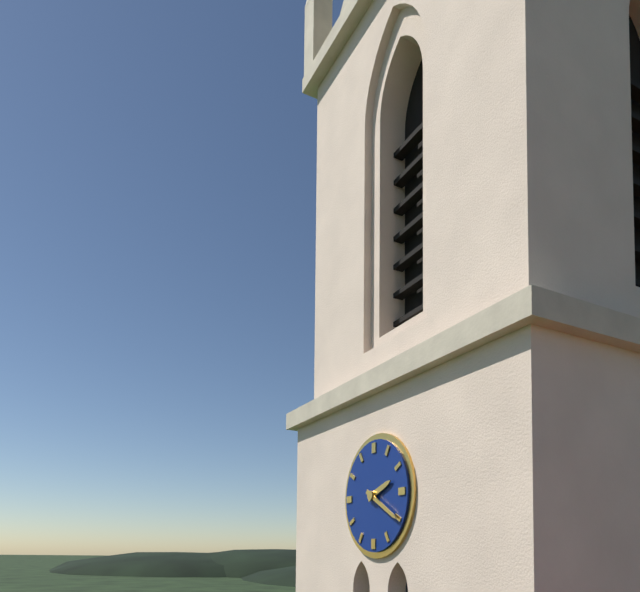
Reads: 2 h 20 min
